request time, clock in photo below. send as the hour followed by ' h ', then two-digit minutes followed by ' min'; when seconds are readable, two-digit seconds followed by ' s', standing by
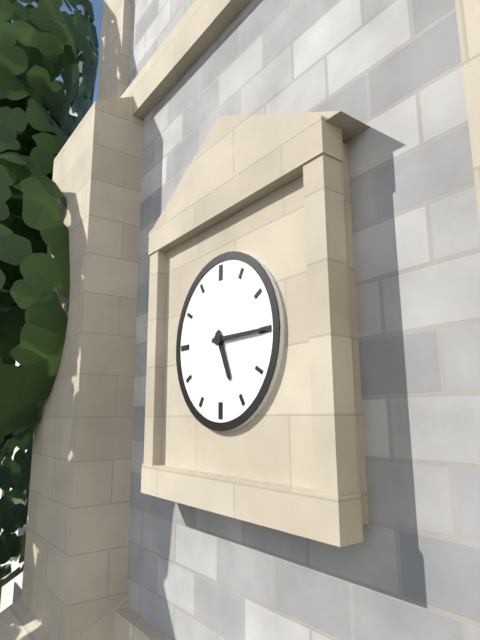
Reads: 5 h 15 min
